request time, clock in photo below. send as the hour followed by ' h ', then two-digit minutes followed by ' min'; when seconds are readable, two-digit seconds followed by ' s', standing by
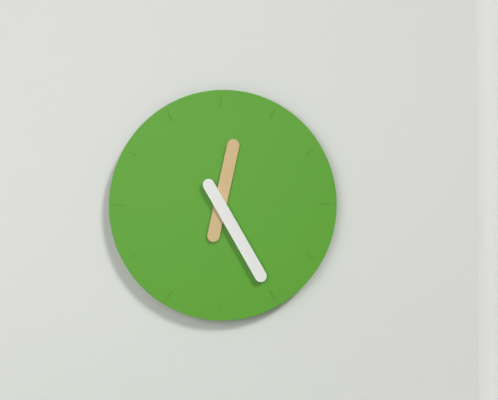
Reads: 12 h 25 min
